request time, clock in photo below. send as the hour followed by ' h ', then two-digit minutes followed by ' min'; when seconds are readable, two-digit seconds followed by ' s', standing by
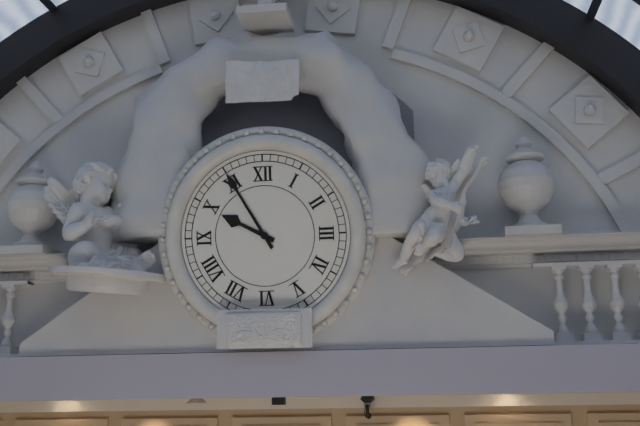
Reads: 9 h 55 min
